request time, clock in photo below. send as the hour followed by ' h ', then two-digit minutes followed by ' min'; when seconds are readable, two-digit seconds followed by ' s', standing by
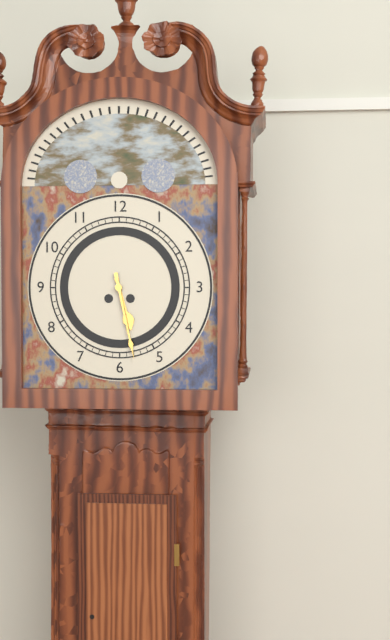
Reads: 5 h 28 min
